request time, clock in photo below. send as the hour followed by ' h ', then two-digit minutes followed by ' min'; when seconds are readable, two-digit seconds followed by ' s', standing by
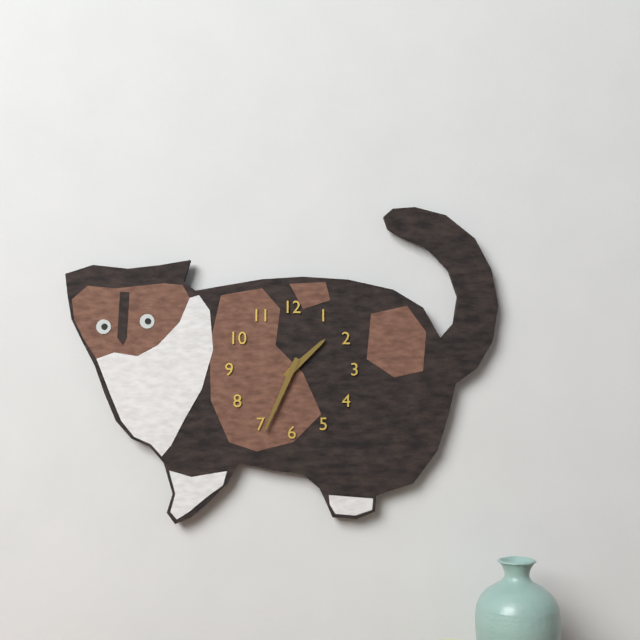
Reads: 1 h 34 min
